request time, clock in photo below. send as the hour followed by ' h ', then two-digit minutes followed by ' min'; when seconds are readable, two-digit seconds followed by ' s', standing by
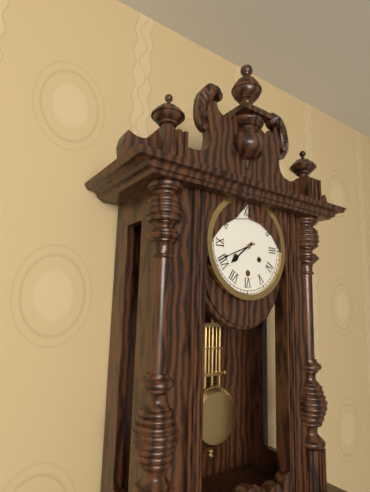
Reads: 7 h 41 min
